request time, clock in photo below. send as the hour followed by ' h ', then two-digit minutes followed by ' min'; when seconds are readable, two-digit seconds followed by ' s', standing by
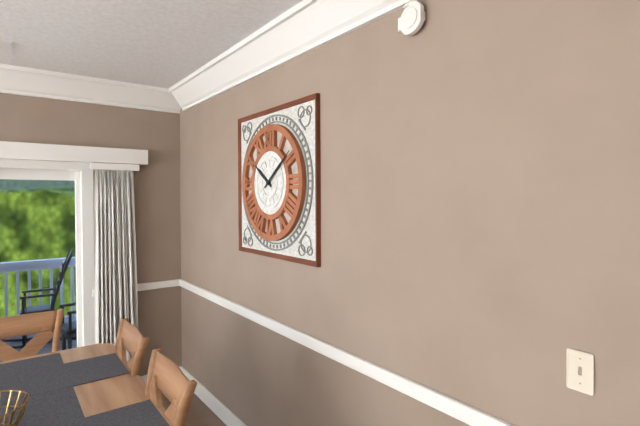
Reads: 10 h 09 min
